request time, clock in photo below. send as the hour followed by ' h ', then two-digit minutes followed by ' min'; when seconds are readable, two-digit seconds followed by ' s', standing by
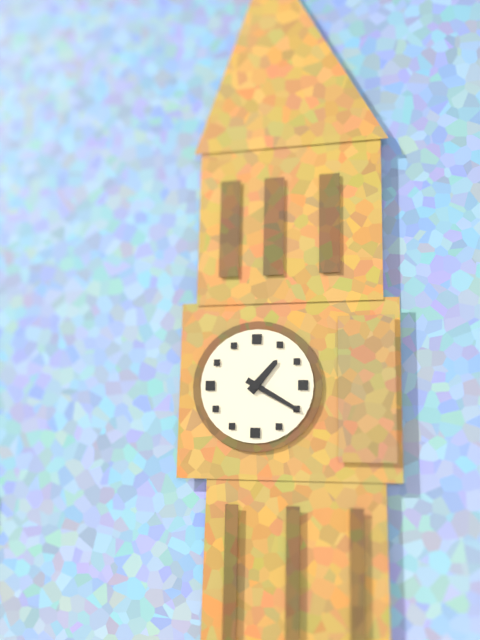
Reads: 1 h 20 min
